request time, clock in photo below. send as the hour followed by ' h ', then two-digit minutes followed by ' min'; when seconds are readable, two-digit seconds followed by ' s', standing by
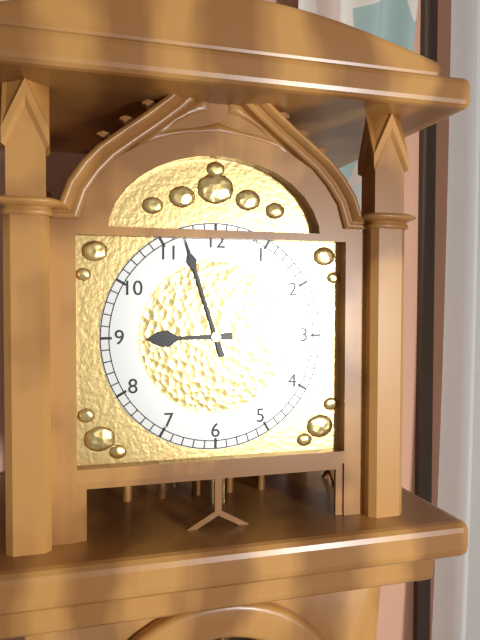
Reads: 8 h 57 min
